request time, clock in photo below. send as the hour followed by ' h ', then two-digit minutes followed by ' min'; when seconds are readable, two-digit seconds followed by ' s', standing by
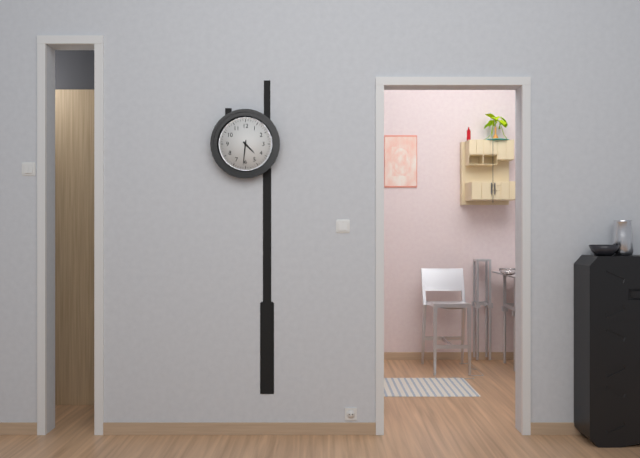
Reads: 4 h 31 min
